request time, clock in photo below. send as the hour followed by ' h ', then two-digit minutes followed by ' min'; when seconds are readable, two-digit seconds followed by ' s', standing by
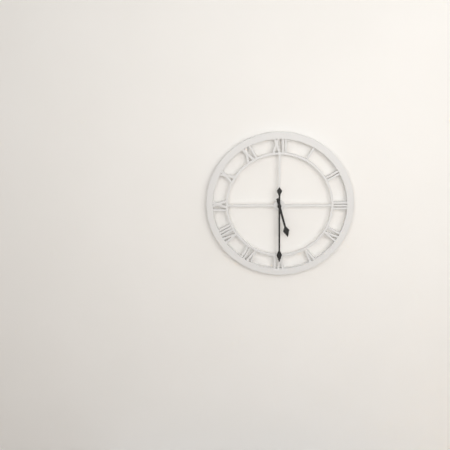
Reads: 5 h 30 min
